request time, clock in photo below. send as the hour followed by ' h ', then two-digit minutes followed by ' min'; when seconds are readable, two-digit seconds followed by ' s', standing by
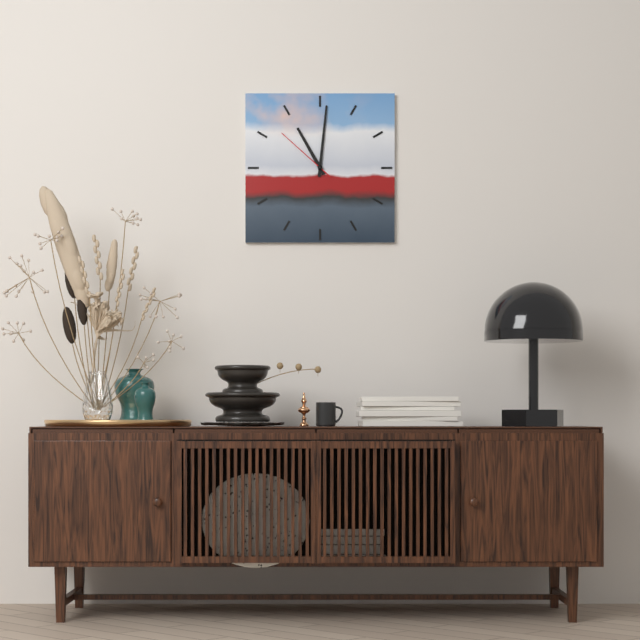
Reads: 11 h 01 min 52 s
